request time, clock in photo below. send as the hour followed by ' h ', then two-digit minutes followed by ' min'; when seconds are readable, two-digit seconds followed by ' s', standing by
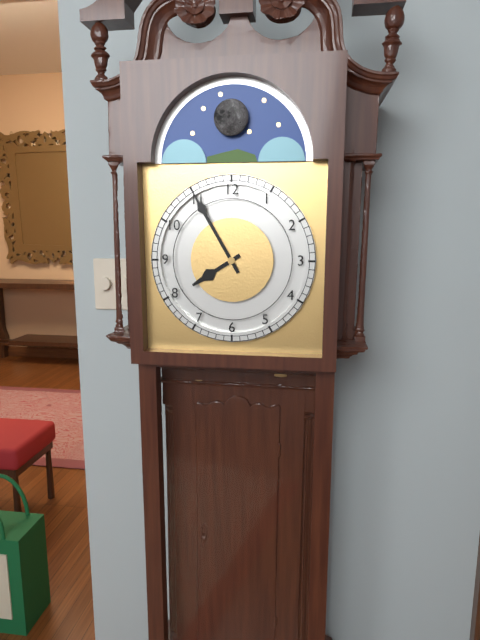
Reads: 7 h 55 min
